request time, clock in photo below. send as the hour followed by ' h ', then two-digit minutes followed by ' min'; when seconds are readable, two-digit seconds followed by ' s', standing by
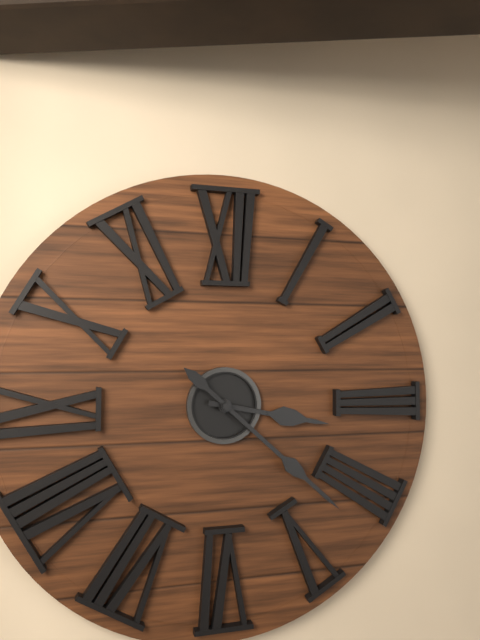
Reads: 3 h 22 min
